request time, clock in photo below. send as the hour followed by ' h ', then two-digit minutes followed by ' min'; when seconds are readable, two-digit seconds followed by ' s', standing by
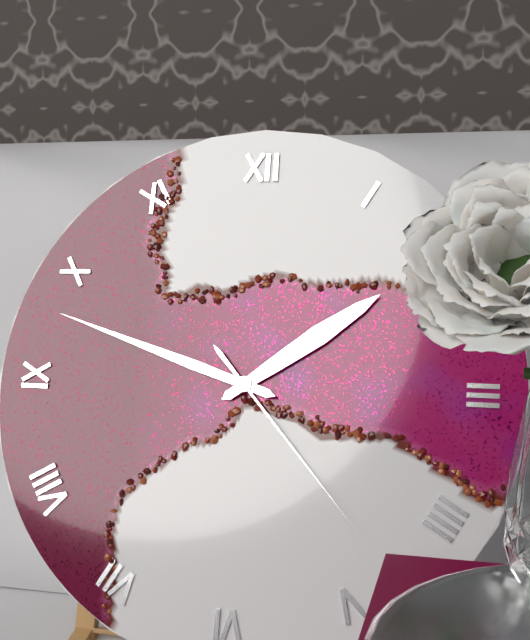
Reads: 1 h 48 min 23 s
